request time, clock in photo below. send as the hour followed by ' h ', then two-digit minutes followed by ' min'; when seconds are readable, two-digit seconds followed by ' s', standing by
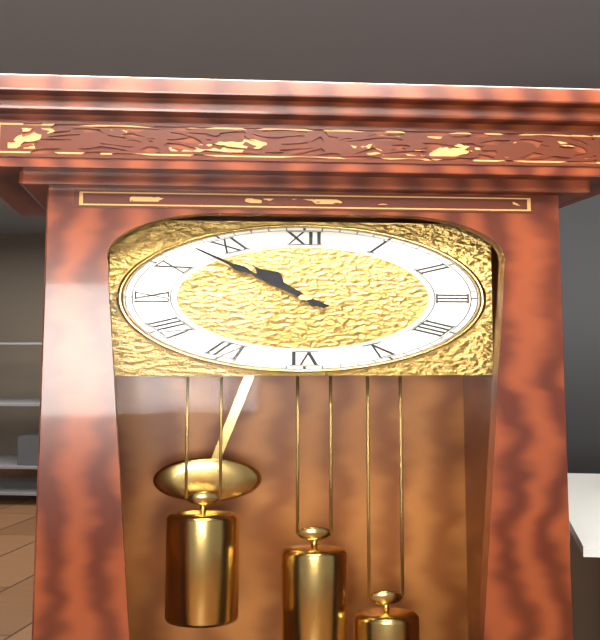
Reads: 10 h 53 min
